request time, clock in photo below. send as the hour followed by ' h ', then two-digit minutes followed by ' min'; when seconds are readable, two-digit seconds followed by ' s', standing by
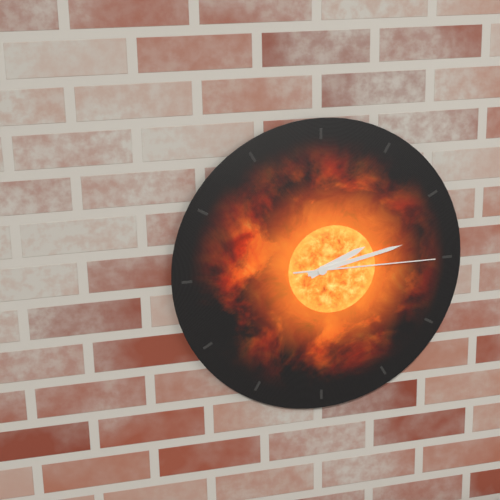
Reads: 2 h 13 min 15 s
